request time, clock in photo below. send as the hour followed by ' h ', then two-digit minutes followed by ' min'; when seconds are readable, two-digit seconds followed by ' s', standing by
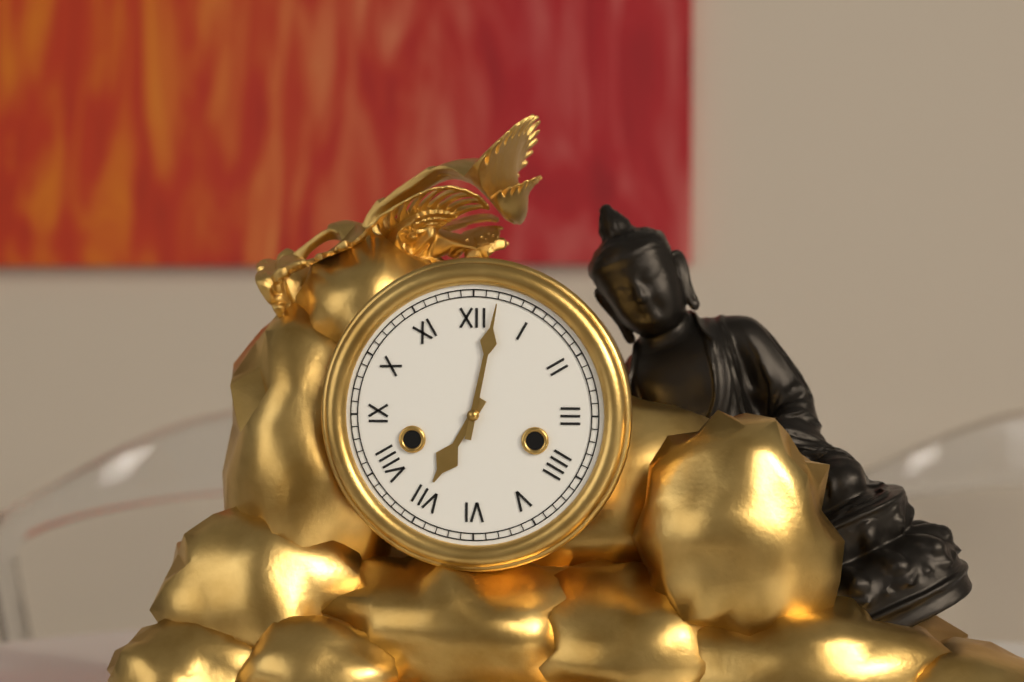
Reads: 7 h 02 min
